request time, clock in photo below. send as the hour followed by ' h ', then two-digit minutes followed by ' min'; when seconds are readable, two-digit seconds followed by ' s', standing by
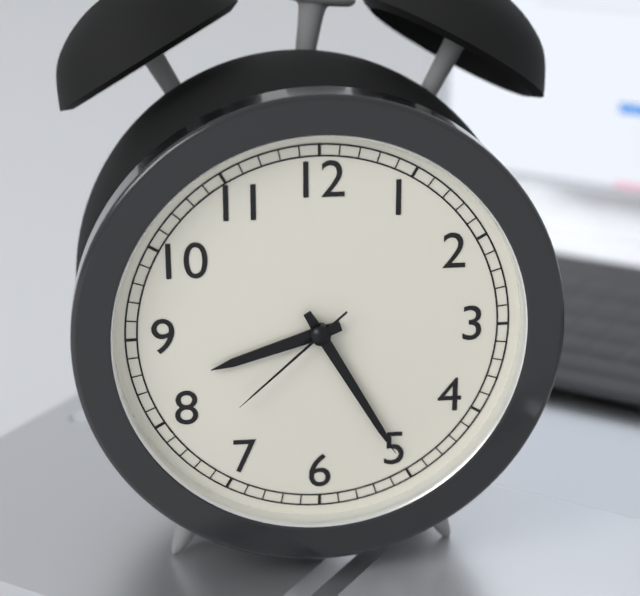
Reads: 8 h 25 min 38 s
